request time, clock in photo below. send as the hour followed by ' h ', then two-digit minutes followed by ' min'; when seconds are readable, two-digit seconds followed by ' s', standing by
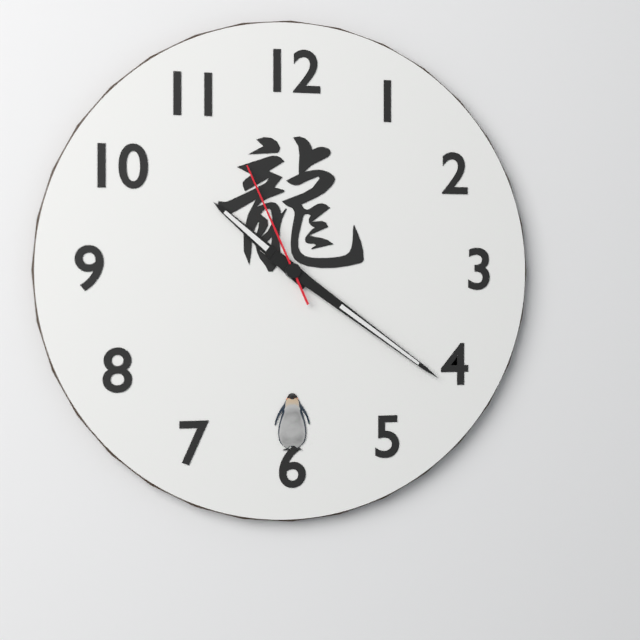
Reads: 10 h 21 min 56 s
